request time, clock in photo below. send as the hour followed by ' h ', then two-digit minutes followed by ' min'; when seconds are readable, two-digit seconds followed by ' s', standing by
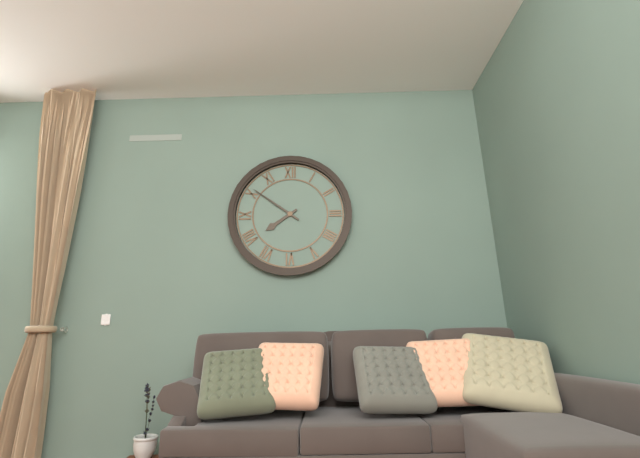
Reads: 7 h 51 min
